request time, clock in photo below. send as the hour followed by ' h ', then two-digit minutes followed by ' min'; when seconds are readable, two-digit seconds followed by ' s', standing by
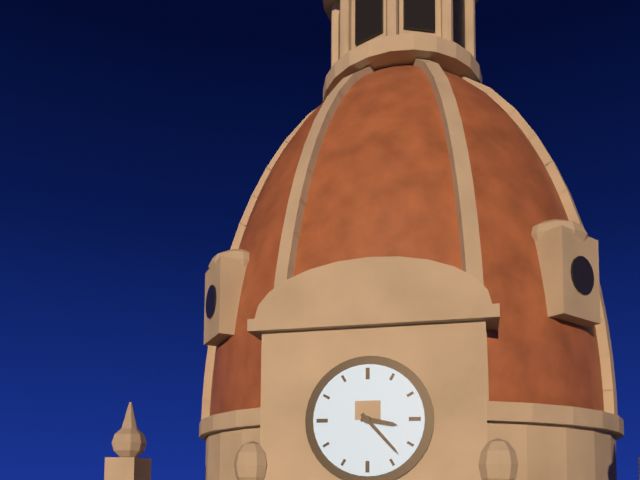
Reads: 3 h 23 min
